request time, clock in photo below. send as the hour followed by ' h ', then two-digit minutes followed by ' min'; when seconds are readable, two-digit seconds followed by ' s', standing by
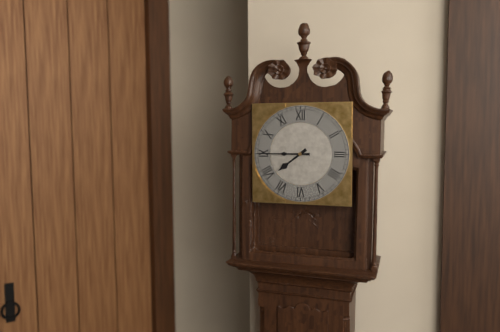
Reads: 7 h 45 min
